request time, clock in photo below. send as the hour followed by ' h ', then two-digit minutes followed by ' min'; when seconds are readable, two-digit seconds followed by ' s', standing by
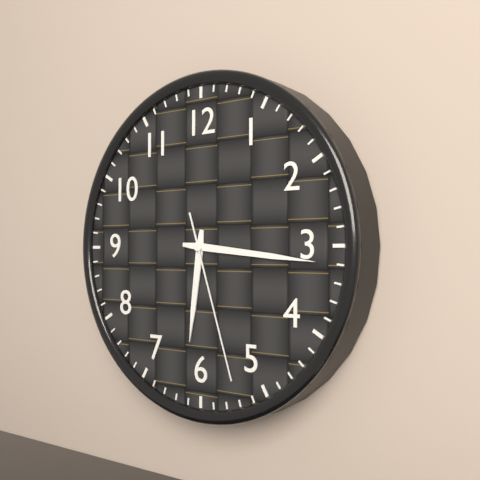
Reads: 6 h 16 min 27 s
